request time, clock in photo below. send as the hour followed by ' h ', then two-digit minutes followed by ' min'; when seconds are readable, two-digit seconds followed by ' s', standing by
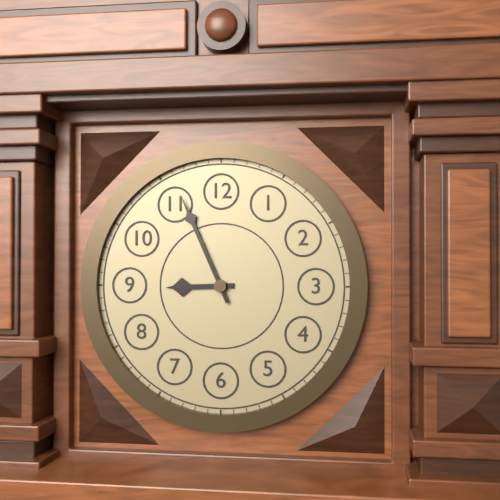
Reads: 8 h 56 min
